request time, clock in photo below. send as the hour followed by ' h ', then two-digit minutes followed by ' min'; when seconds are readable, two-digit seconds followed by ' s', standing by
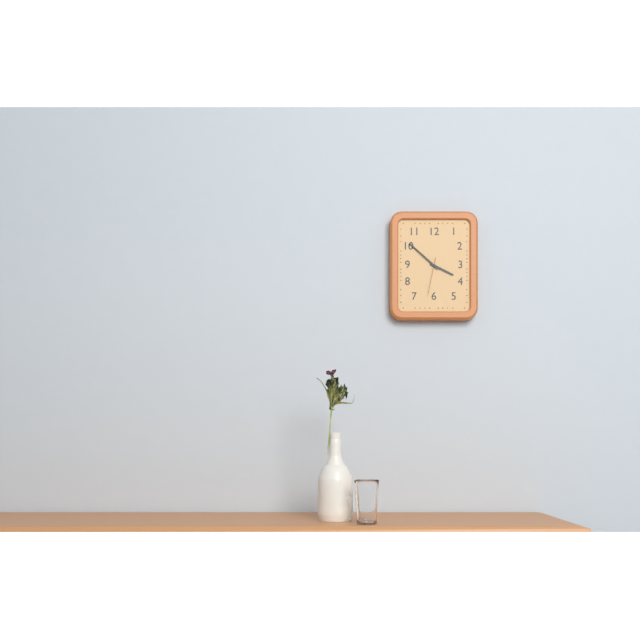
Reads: 3 h 52 min
